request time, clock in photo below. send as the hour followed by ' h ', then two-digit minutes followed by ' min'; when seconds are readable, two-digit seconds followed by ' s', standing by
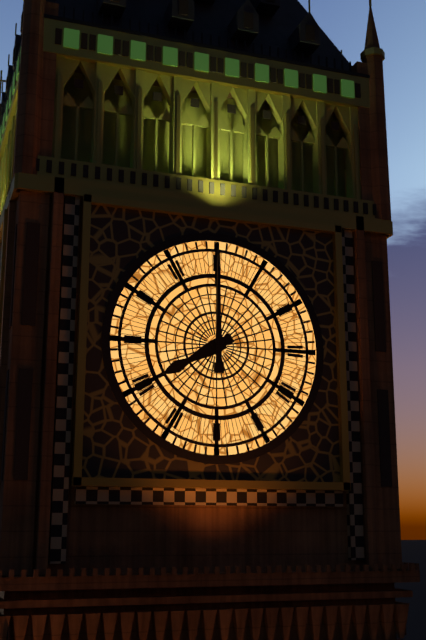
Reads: 8 h 00 min
